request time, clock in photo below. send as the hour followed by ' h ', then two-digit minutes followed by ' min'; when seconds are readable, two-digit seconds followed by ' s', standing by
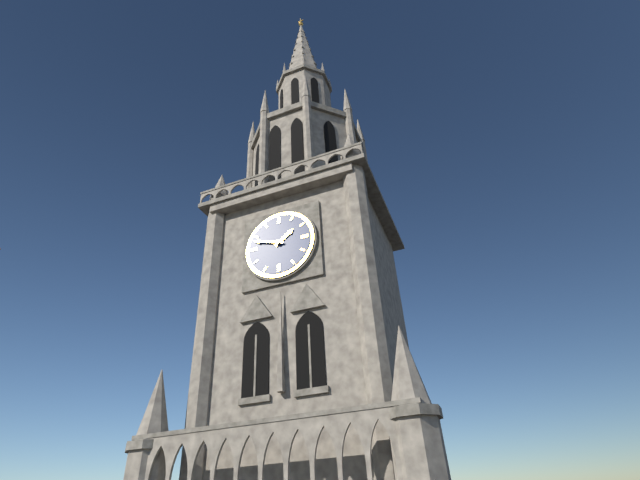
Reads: 1 h 48 min
